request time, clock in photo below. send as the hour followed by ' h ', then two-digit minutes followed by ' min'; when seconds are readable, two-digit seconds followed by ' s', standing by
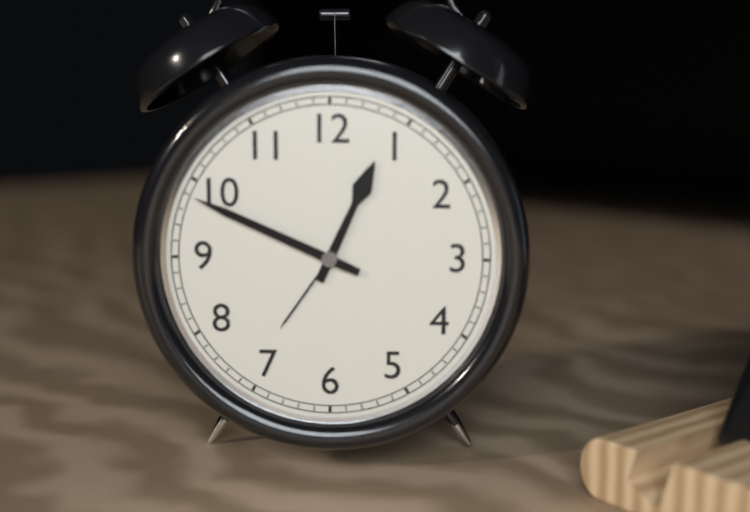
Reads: 12 h 49 min
